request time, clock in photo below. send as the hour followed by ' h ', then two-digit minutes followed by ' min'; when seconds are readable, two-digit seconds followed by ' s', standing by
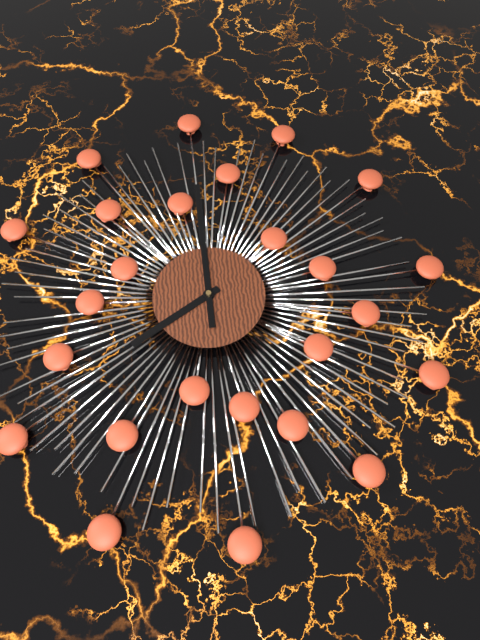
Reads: 8 h 00 min
